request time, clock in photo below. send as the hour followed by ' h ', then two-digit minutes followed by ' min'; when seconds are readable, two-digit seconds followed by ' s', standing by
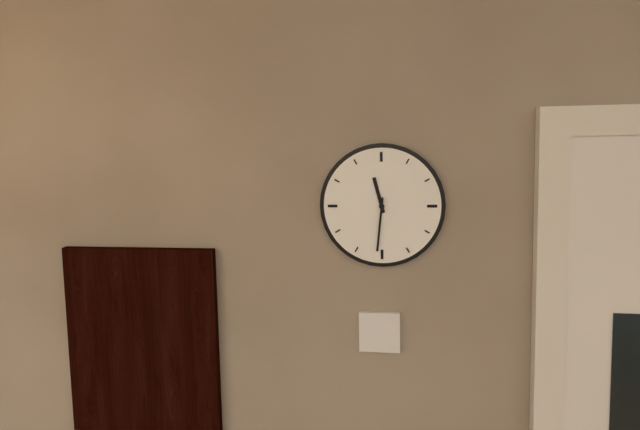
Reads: 11 h 31 min
